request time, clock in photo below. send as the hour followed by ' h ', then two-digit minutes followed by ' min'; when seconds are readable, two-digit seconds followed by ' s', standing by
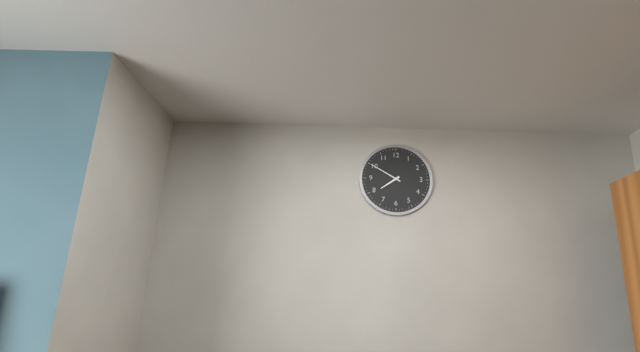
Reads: 7 h 50 min
